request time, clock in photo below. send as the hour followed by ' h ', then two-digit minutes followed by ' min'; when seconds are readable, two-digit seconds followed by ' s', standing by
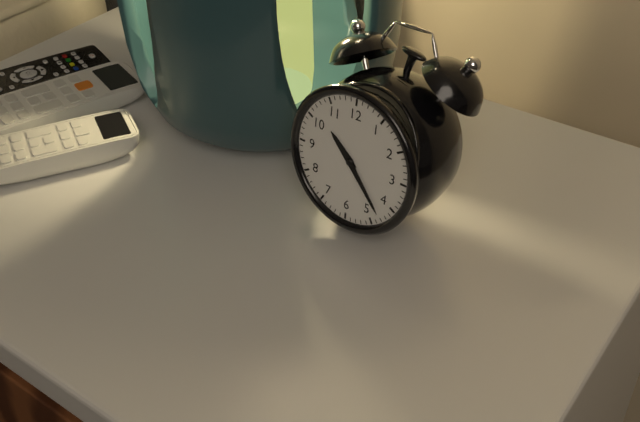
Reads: 10 h 23 min
